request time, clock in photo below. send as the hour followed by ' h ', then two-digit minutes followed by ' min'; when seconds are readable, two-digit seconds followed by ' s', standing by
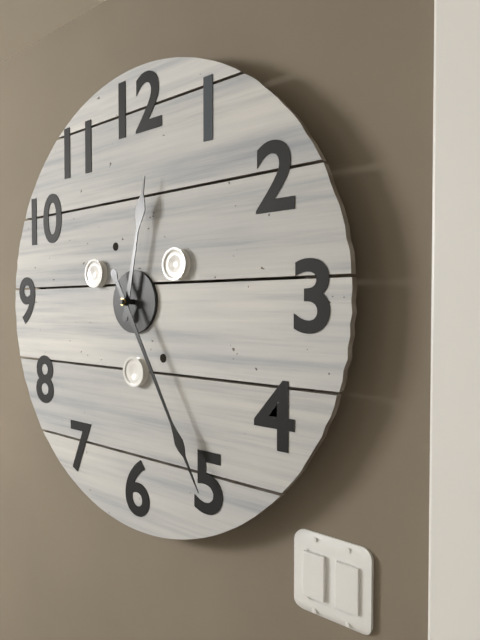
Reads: 12 h 25 min
